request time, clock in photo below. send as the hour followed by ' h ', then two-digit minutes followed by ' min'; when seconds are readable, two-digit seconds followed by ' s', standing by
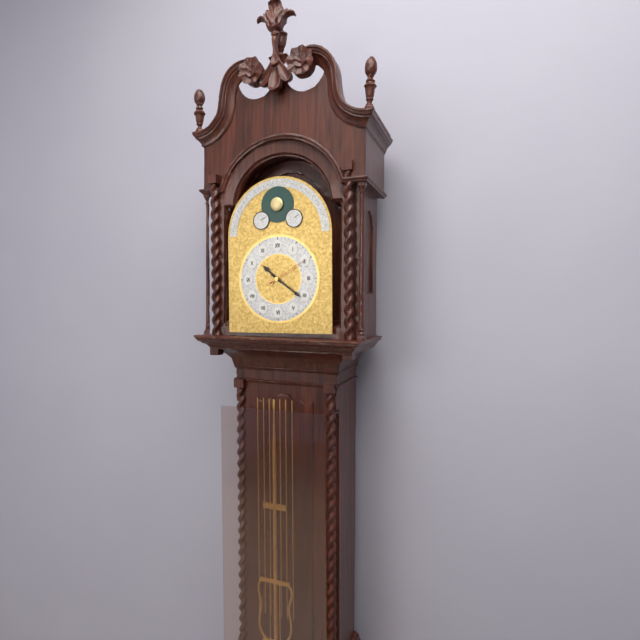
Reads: 10 h 21 min
